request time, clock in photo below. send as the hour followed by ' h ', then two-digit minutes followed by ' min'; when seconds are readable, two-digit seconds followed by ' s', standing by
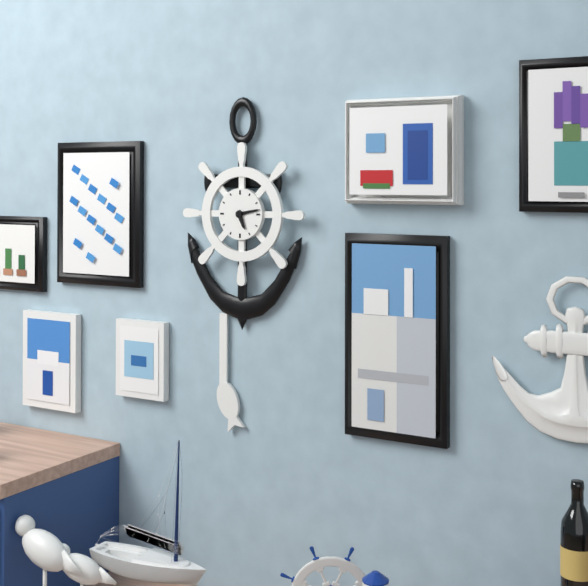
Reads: 5 h 13 min
